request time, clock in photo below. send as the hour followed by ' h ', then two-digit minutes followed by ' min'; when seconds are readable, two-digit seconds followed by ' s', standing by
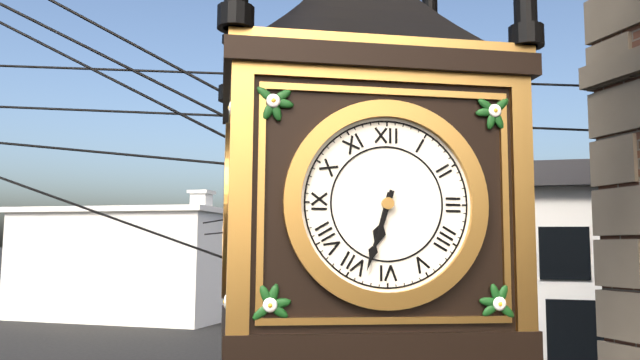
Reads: 6 h 33 min
